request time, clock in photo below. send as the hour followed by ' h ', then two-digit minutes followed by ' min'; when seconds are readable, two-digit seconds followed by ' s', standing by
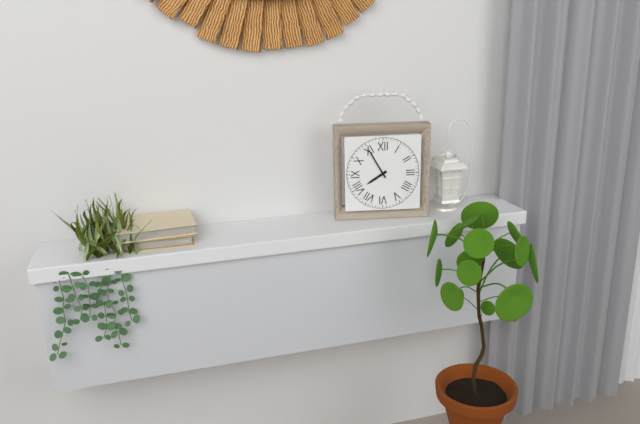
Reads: 7 h 55 min
